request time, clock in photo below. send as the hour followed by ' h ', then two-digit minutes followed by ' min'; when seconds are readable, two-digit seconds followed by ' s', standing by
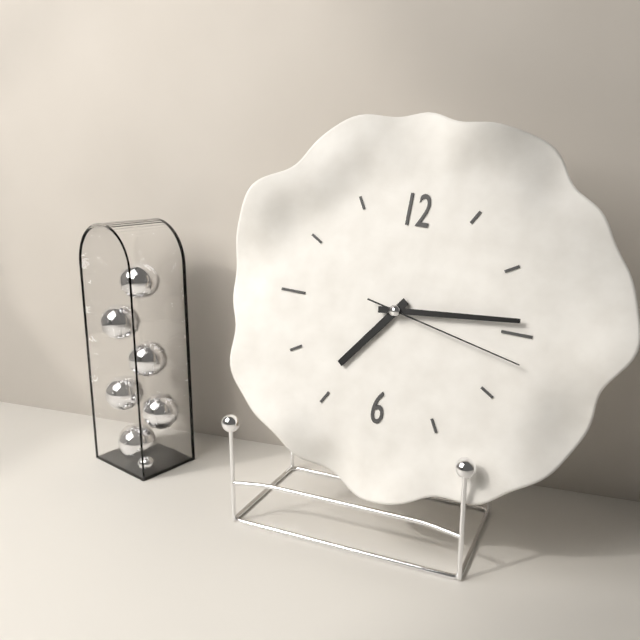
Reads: 7 h 14 min 17 s
